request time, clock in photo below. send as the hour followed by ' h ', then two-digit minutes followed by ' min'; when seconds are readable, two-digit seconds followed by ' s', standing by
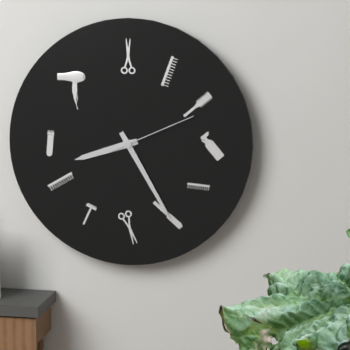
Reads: 8 h 25 min 11 s
